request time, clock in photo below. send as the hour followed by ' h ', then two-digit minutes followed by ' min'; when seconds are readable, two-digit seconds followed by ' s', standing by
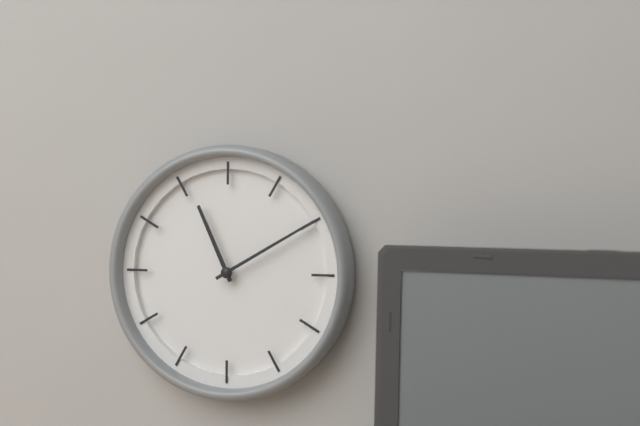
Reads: 11 h 10 min
